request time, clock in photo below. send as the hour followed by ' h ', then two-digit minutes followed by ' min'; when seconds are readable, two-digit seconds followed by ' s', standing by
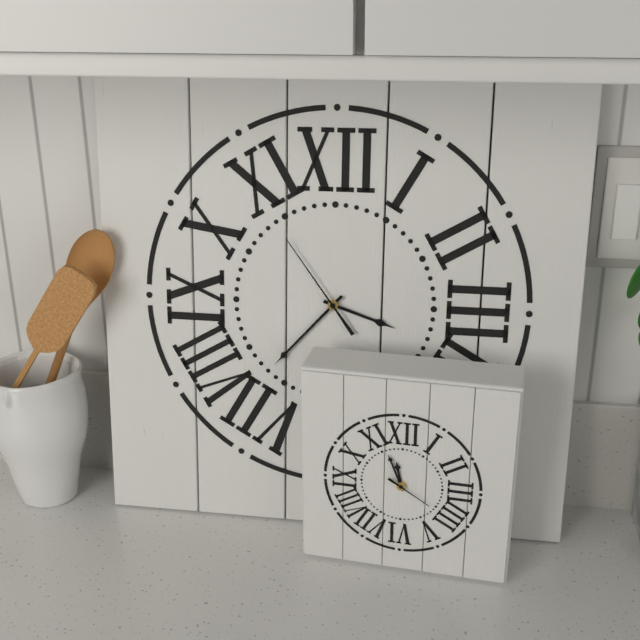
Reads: 3 h 37 min 54 s
